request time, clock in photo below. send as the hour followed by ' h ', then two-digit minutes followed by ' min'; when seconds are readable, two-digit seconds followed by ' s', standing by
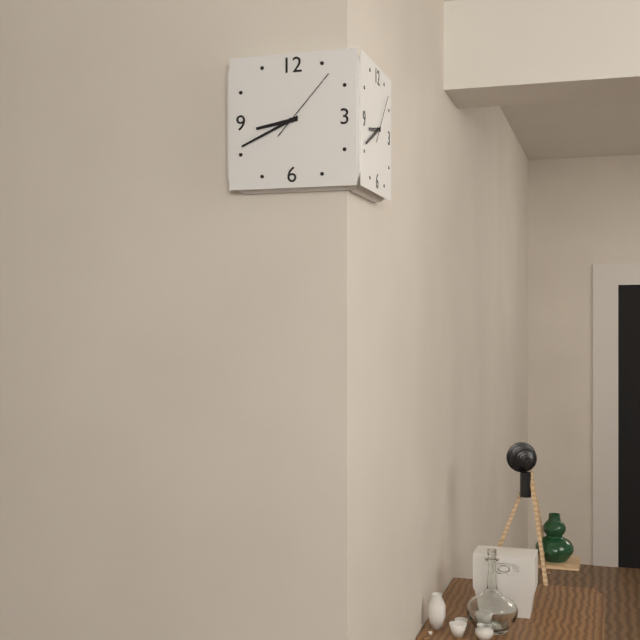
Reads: 8 h 41 min 07 s
